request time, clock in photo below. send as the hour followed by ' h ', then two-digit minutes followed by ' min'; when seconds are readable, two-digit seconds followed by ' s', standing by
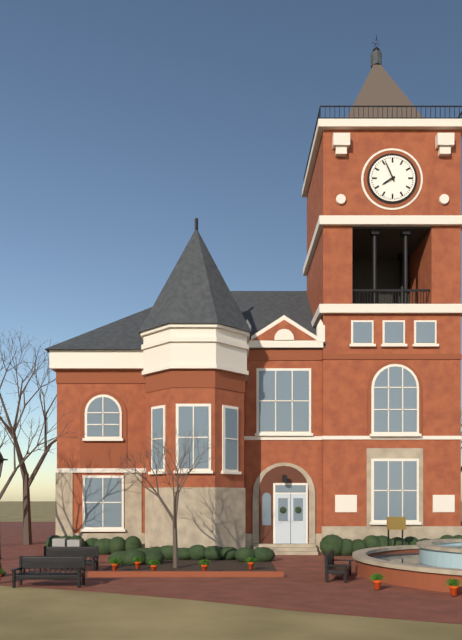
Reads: 7 h 56 min
